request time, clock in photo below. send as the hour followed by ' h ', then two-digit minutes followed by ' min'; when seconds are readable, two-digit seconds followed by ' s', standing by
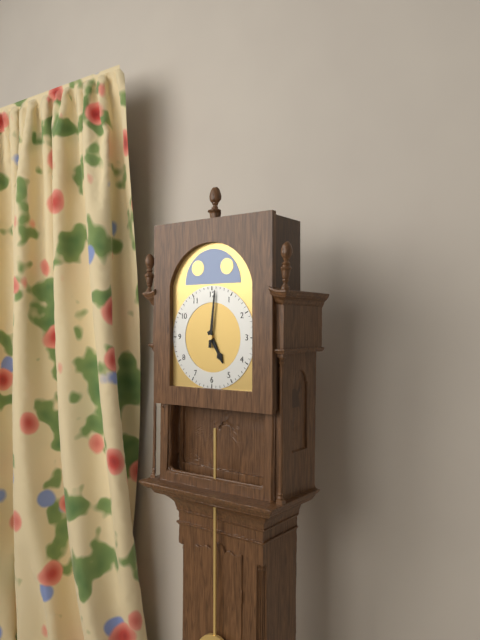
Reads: 5 h 01 min
